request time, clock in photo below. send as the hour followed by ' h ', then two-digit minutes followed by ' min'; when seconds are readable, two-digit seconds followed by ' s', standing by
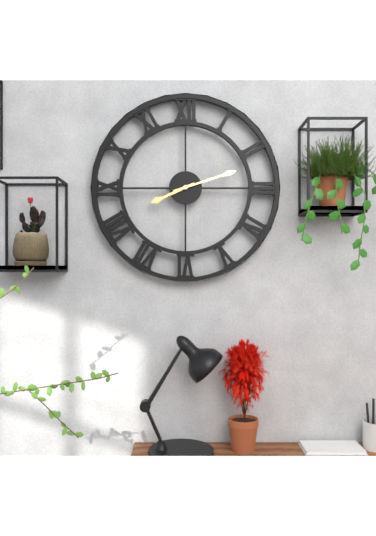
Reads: 8 h 12 min
